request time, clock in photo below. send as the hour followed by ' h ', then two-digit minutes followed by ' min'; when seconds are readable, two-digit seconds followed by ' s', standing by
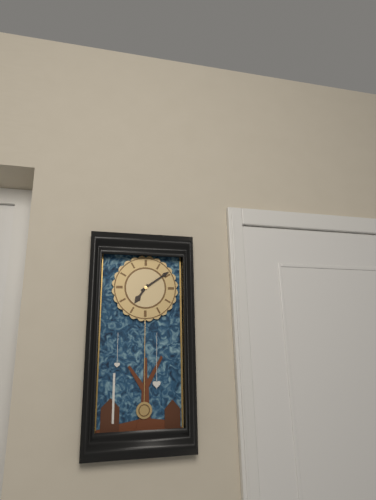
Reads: 7 h 09 min
